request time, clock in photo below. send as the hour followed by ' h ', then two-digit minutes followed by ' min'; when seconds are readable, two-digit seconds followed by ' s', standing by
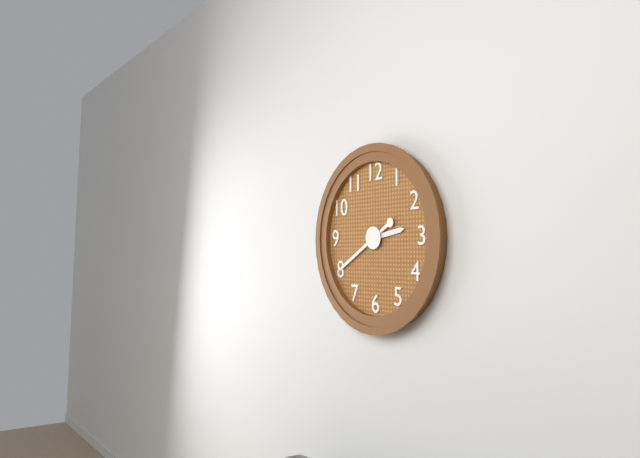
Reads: 2 h 40 min
